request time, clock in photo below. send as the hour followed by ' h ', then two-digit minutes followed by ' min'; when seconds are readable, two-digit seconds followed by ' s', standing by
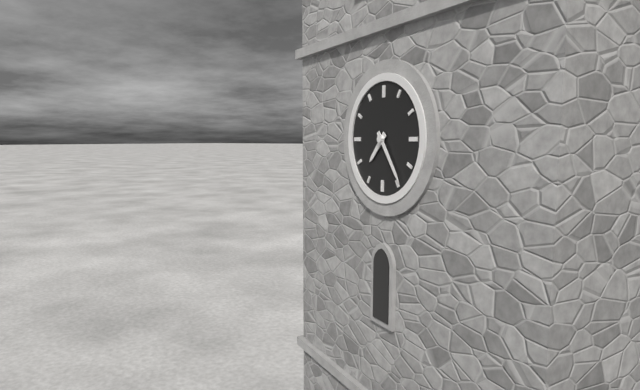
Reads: 7 h 24 min
